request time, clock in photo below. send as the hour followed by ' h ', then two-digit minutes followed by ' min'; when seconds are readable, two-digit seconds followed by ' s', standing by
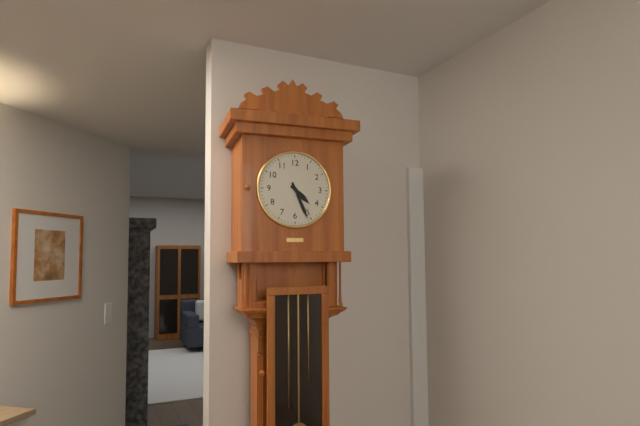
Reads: 4 h 26 min
